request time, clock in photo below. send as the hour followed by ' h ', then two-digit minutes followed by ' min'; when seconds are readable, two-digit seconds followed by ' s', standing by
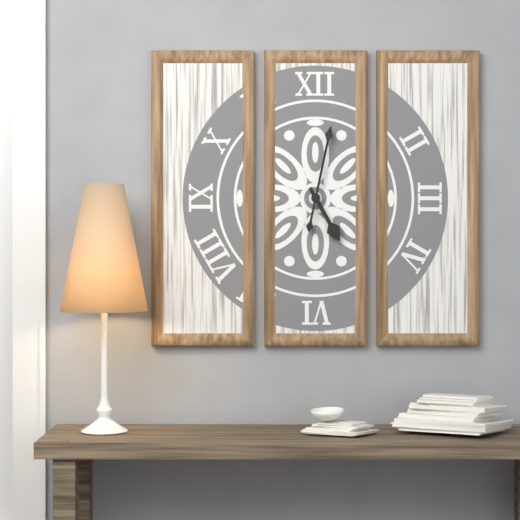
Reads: 5 h 02 min
